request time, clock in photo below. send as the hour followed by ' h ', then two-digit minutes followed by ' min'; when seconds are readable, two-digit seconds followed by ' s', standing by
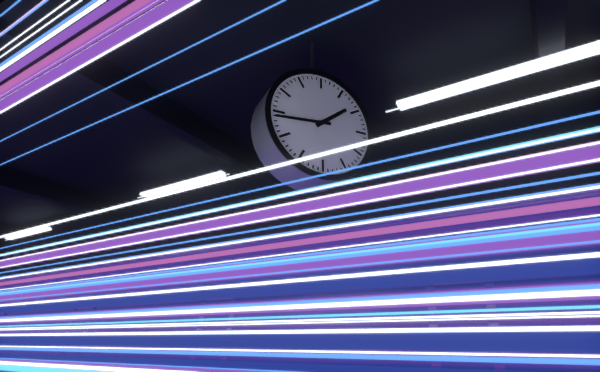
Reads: 1 h 44 min
